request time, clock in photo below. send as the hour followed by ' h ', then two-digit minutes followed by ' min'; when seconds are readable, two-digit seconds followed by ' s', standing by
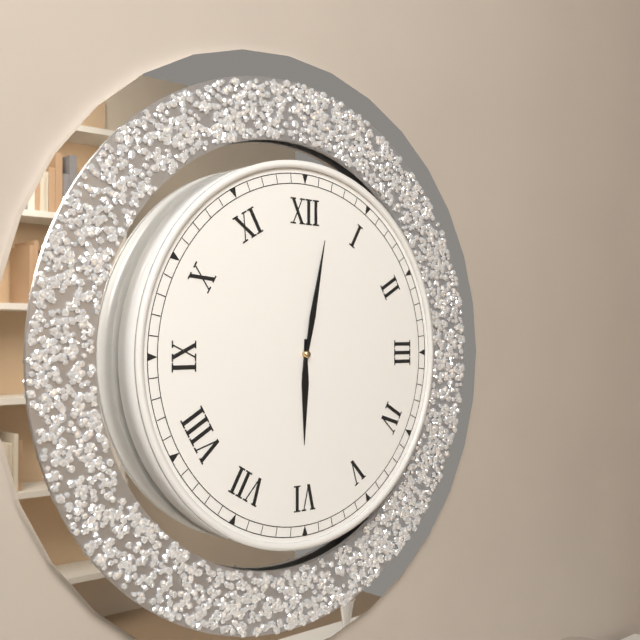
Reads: 6 h 02 min
